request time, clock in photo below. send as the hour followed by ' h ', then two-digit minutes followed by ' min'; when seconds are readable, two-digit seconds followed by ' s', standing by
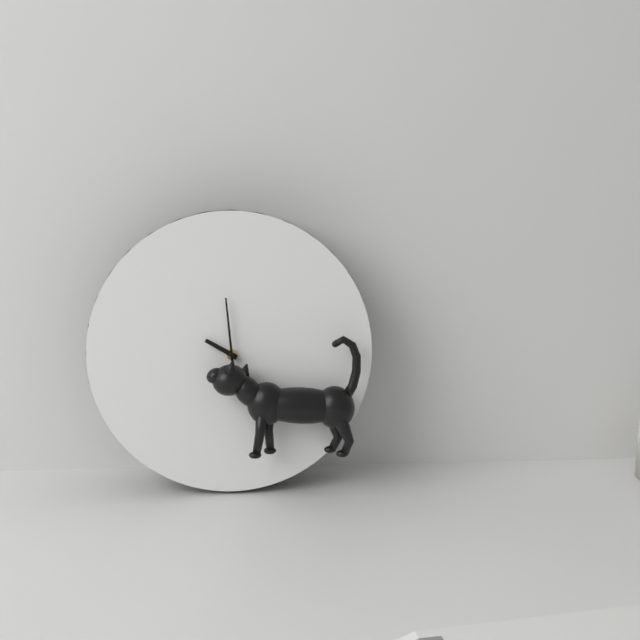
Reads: 9 h 59 min
